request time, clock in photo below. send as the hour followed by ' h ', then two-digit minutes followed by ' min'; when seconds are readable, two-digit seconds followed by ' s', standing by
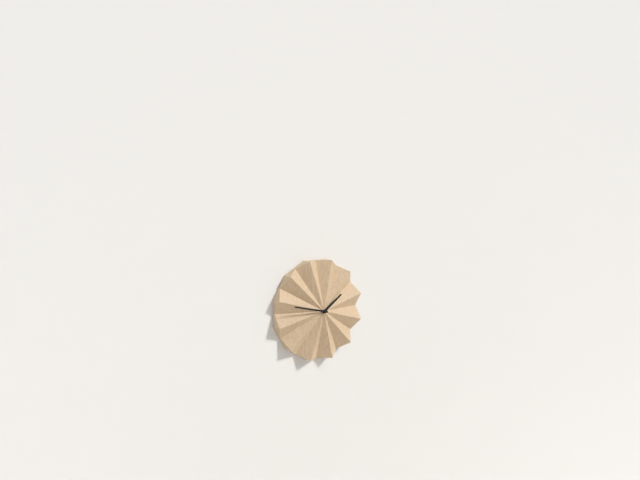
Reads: 1 h 47 min
